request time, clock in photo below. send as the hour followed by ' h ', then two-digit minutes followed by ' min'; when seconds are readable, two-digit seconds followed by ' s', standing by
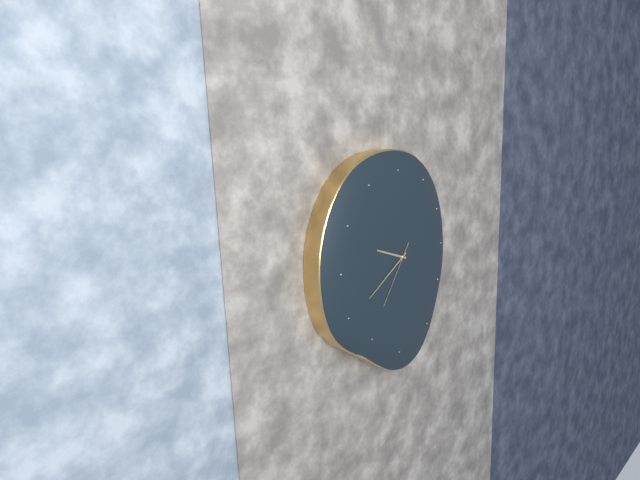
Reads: 9 h 40 min 36 s
